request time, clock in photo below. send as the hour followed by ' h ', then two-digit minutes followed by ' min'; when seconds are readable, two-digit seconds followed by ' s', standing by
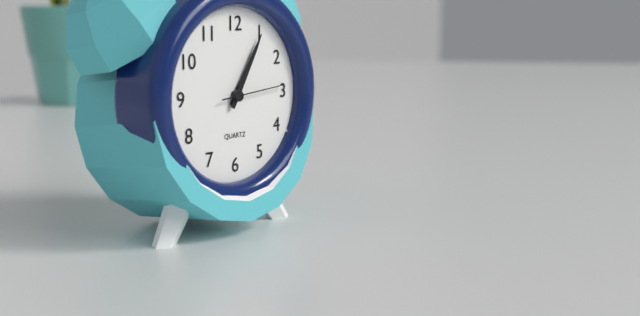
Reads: 1 h 05 min 14 s
